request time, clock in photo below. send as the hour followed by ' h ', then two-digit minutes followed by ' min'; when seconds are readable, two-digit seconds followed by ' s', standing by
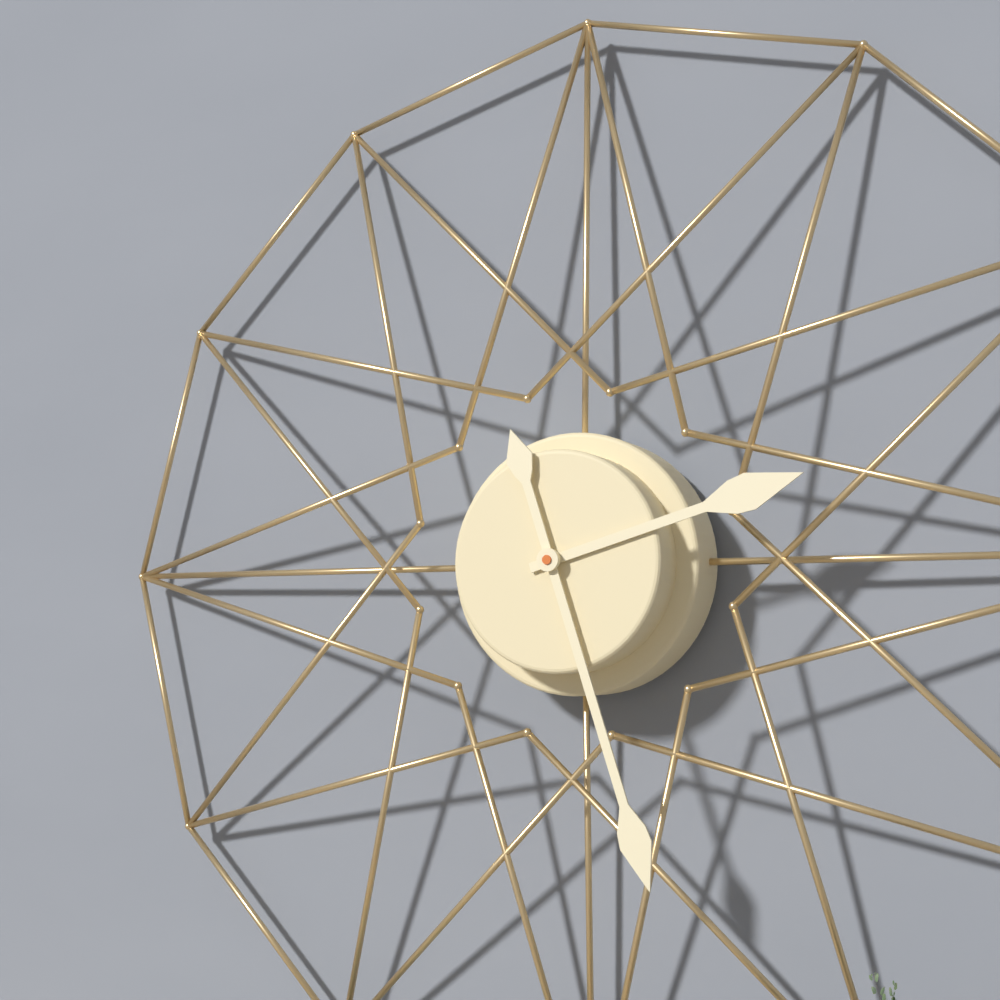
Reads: 2 h 27 min
